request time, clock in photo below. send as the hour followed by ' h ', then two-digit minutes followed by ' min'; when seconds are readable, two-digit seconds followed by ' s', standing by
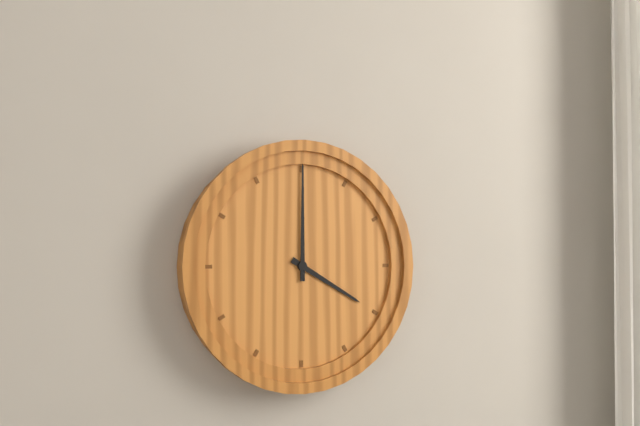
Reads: 4 h 00 min
